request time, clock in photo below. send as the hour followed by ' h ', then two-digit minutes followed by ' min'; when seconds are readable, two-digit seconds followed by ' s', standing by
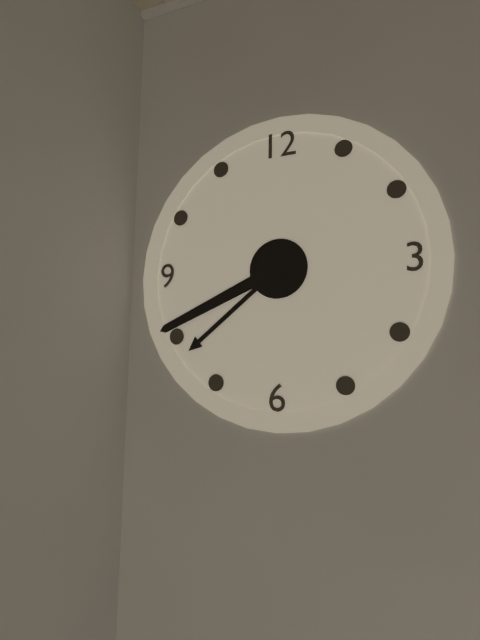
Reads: 7 h 41 min
